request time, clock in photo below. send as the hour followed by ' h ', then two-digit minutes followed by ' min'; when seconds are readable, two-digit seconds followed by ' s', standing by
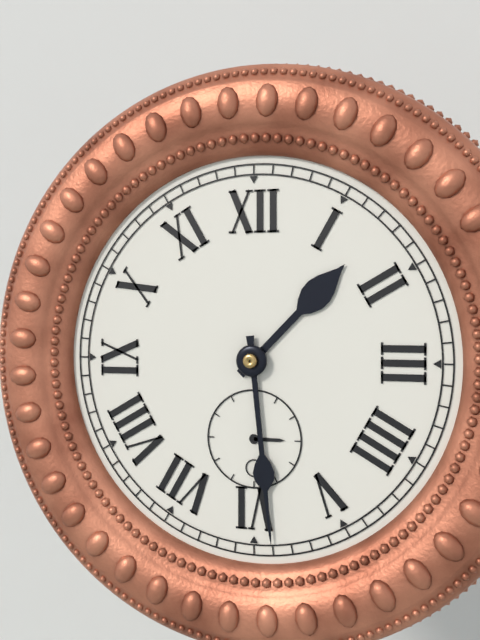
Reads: 1 h 29 min
